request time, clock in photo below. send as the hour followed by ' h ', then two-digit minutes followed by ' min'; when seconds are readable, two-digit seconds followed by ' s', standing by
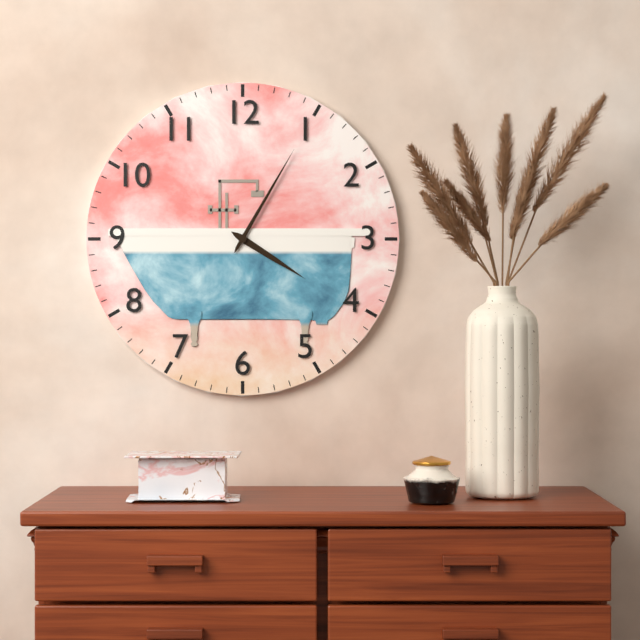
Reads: 4 h 05 min
